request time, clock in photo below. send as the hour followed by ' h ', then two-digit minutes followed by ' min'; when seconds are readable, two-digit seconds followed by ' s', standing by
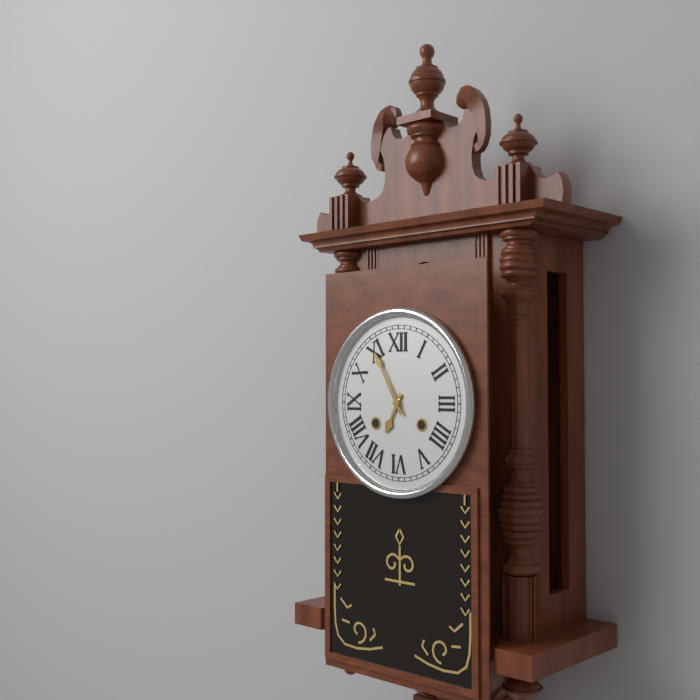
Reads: 6 h 55 min
